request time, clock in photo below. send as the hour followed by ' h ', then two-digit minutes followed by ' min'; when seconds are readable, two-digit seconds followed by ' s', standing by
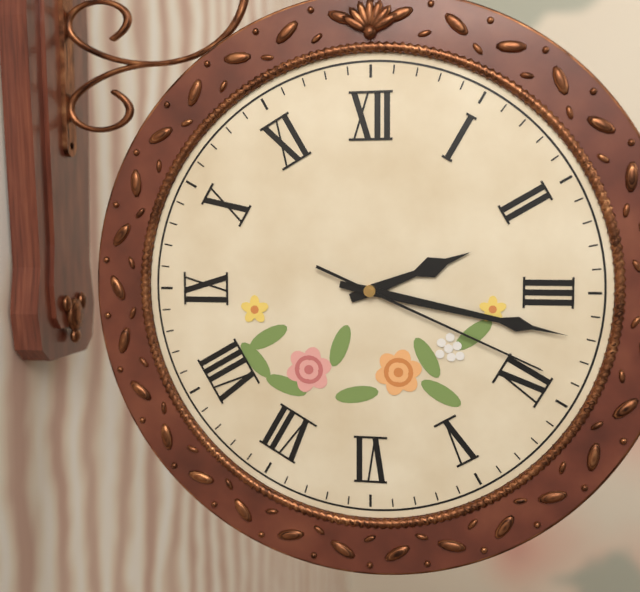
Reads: 2 h 17 min 19 s
